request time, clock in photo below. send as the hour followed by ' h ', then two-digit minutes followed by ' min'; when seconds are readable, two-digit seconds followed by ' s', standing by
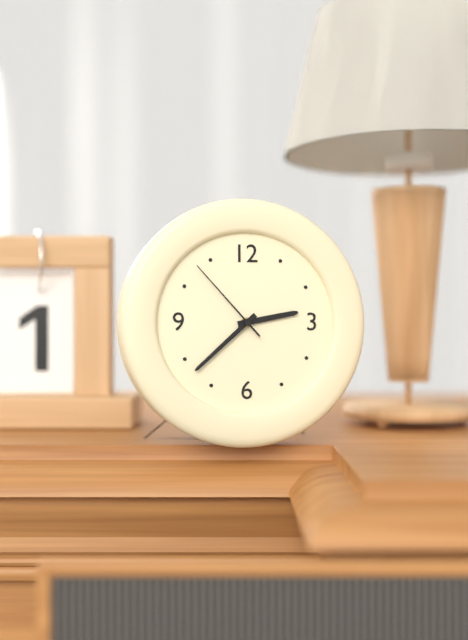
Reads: 2 h 38 min 53 s
